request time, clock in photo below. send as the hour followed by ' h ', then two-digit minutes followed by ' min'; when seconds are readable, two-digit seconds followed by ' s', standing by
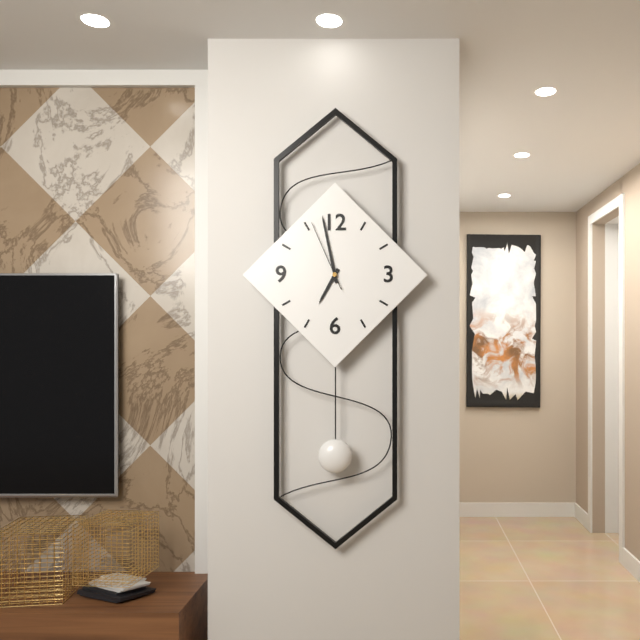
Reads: 6 h 58 min 56 s
